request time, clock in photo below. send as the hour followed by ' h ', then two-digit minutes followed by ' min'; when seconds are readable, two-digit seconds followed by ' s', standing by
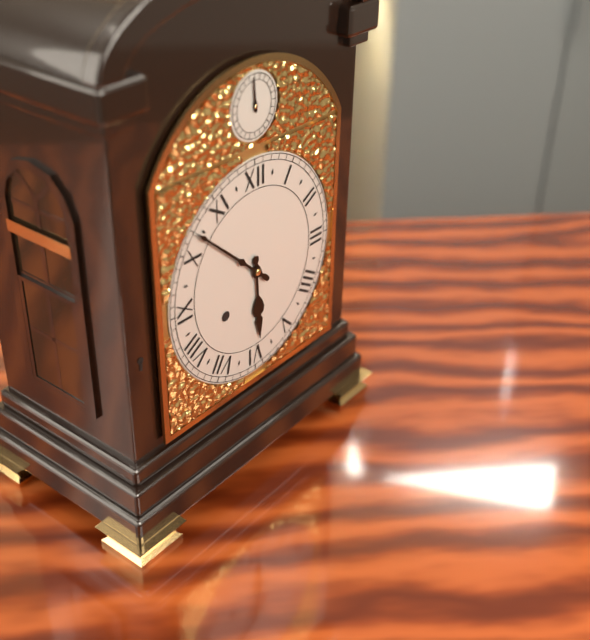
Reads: 5 h 52 min
